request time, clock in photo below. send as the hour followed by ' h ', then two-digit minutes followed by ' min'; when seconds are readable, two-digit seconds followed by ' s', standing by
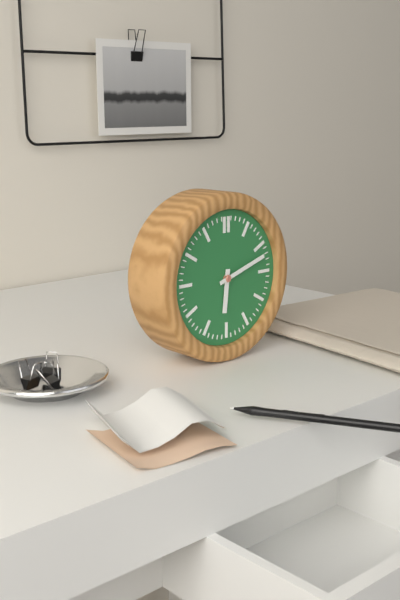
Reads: 6 h 12 min
